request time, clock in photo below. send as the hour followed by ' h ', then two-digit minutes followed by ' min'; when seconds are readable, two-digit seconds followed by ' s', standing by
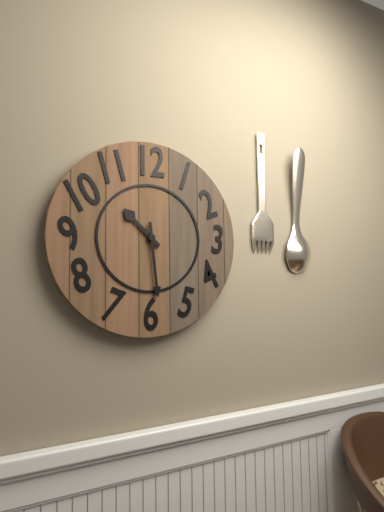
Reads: 10 h 29 min
